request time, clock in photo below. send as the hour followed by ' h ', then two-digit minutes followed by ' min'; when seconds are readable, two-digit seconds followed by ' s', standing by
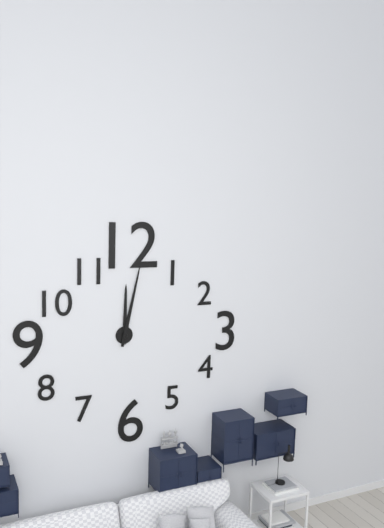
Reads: 12 h 02 min
